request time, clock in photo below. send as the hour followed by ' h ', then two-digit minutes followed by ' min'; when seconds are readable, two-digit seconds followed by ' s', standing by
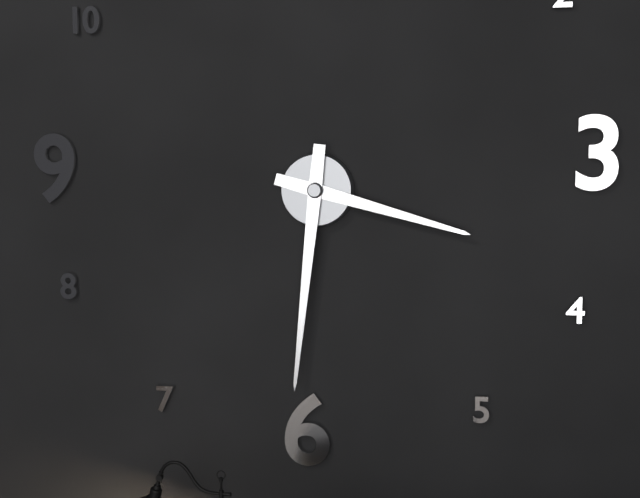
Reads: 3 h 31 min
